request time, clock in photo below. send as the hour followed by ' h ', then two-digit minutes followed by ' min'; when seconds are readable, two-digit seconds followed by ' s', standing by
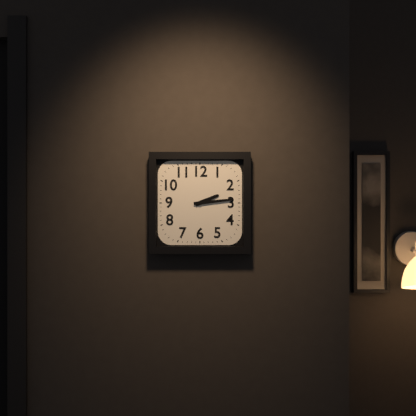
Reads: 2 h 14 min
